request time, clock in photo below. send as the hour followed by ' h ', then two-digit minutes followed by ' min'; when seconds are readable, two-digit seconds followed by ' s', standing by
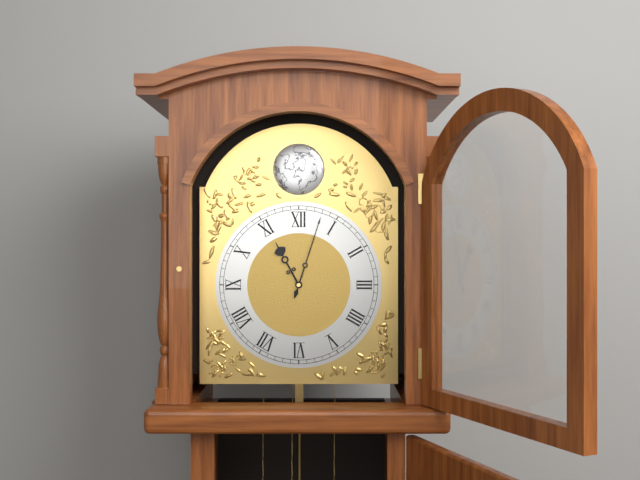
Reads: 11 h 03 min
